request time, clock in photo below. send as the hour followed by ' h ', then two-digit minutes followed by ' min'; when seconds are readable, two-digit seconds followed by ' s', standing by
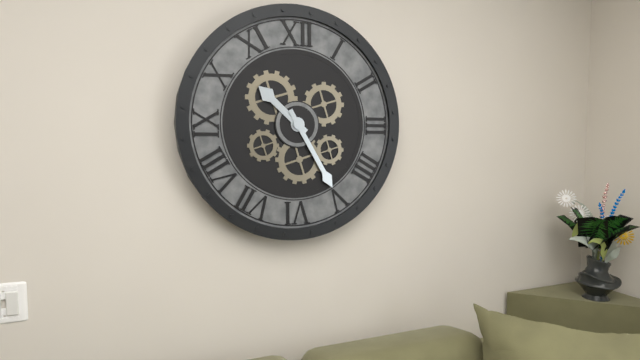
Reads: 10 h 25 min
